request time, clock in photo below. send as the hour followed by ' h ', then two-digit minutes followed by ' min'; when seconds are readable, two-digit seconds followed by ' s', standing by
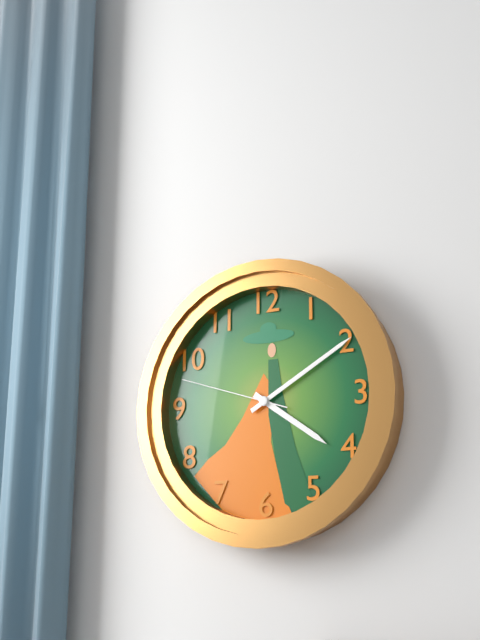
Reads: 4 h 10 min 48 s
